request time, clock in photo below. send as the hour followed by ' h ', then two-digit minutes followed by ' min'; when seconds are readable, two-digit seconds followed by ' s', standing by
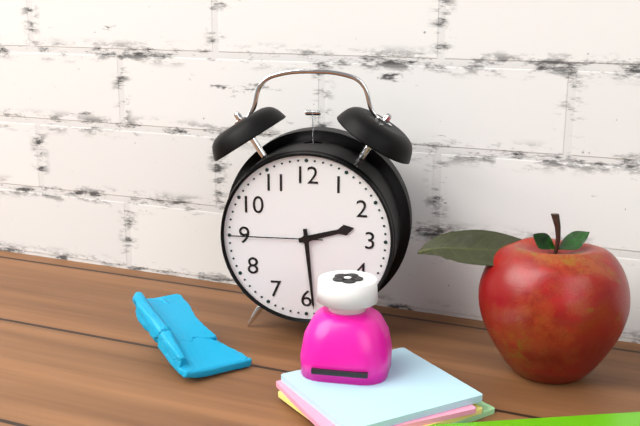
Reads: 2 h 29 min 45 s
